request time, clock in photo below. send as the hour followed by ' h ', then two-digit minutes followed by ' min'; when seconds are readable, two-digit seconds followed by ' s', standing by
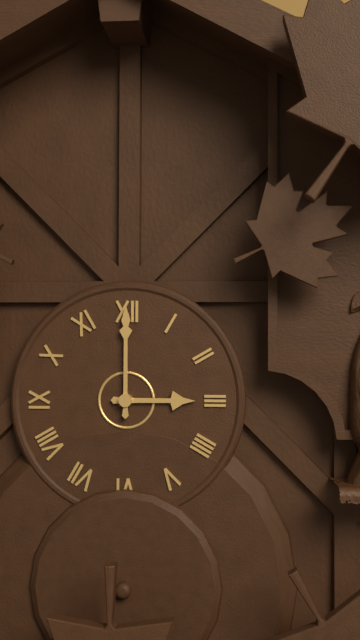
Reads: 3 h 00 min
